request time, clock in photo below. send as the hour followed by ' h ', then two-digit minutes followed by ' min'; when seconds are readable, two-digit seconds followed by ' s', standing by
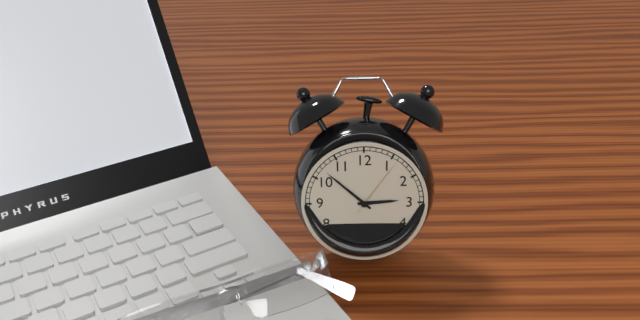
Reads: 2 h 52 min 06 s
